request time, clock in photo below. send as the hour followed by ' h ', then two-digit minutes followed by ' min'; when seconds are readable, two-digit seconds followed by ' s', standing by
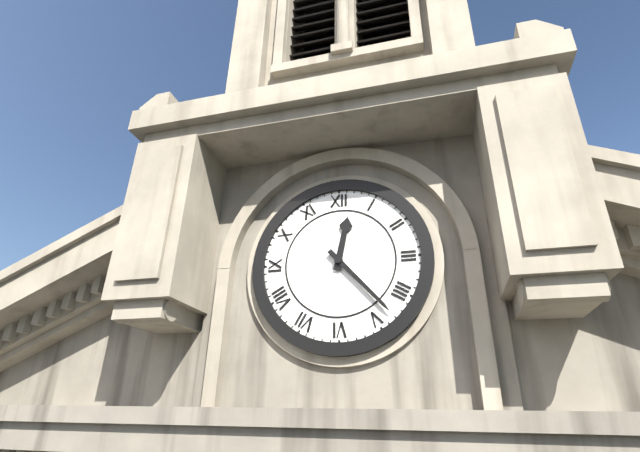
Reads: 12 h 23 min
